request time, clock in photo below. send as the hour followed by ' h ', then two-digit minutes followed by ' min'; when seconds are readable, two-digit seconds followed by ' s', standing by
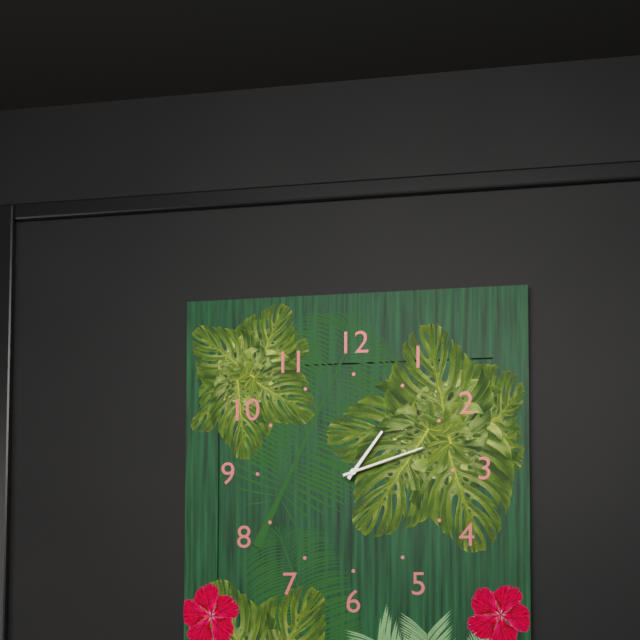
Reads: 1 h 12 min
